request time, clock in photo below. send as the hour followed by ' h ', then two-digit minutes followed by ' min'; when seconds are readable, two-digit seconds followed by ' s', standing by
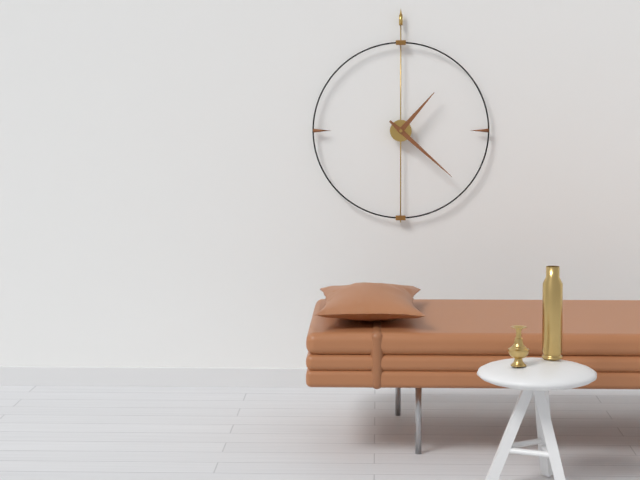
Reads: 1 h 22 min
